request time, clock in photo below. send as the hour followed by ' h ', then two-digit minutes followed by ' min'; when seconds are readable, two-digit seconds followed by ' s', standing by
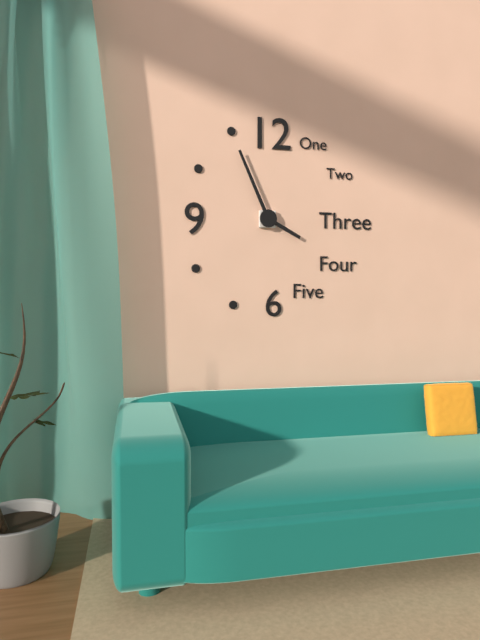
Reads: 3 h 56 min
